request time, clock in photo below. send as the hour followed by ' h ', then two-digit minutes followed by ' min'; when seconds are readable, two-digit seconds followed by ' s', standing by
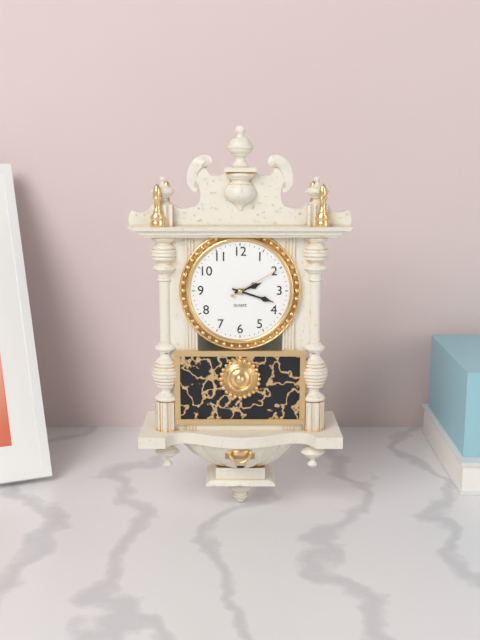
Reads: 2 h 18 min 10 s
